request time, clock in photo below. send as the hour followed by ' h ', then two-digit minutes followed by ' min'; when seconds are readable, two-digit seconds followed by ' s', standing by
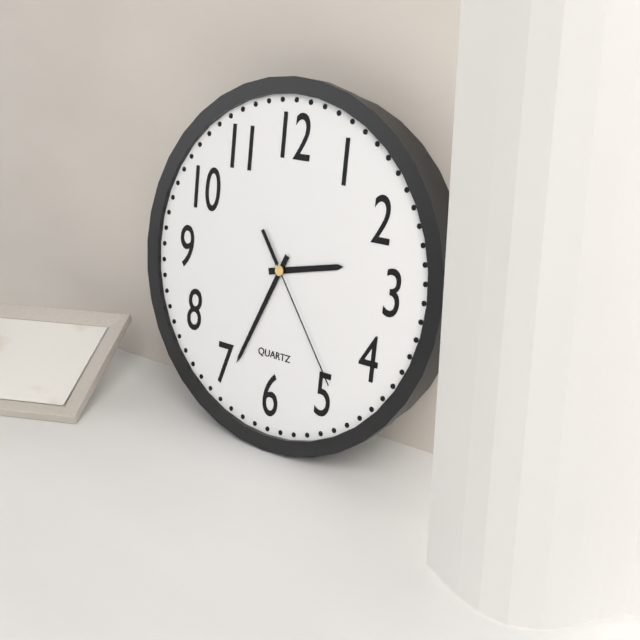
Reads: 2 h 34 min 24 s
